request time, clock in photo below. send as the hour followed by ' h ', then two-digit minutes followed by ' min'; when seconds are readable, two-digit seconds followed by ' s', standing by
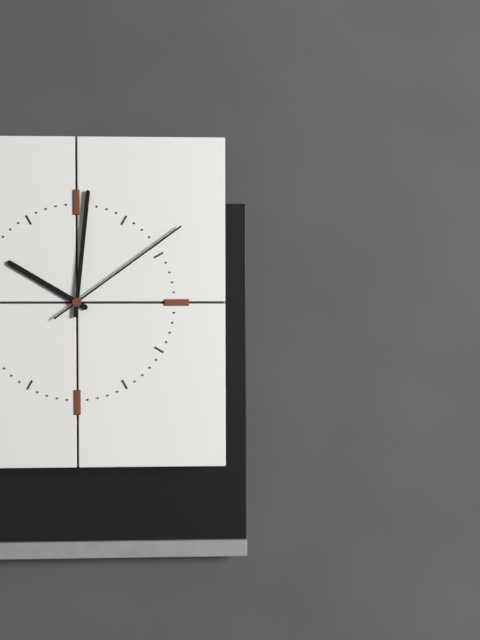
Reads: 10 h 01 min 09 s
